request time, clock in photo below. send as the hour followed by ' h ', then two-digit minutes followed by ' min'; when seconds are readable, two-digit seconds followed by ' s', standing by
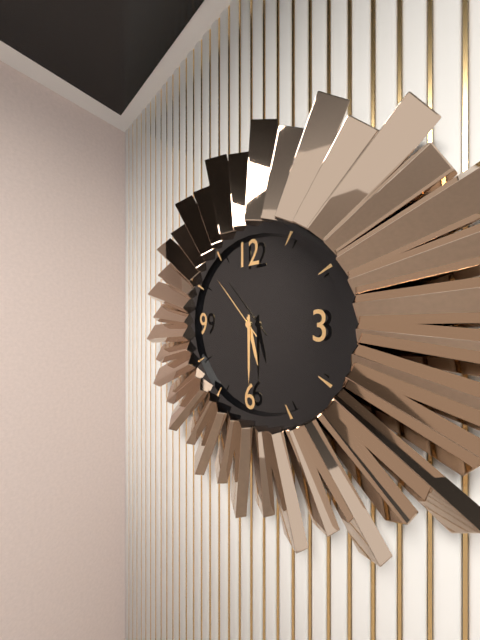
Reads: 5 h 30 min 53 s
